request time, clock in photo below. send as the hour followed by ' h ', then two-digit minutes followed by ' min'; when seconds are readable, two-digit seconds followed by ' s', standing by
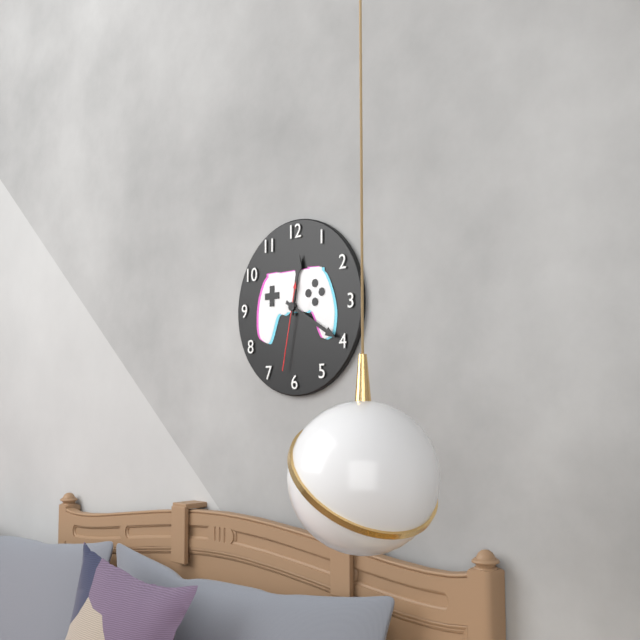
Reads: 12 h 20 min 32 s
